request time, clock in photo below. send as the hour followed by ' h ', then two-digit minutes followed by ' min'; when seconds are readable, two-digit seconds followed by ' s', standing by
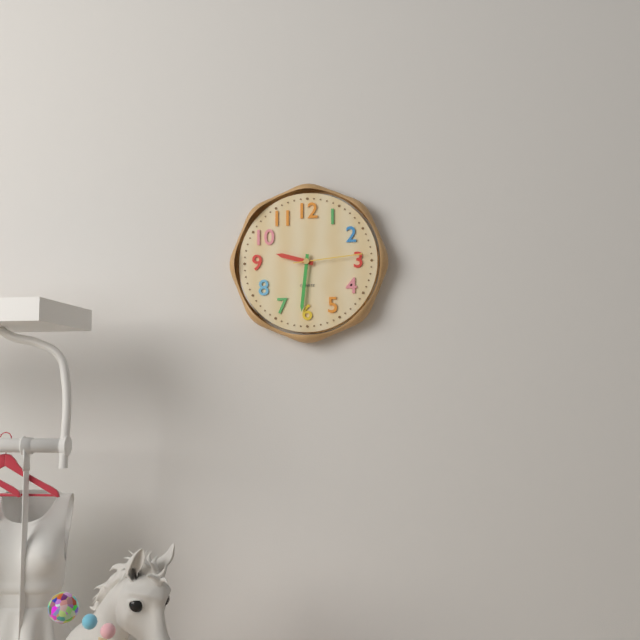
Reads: 9 h 31 min 14 s
